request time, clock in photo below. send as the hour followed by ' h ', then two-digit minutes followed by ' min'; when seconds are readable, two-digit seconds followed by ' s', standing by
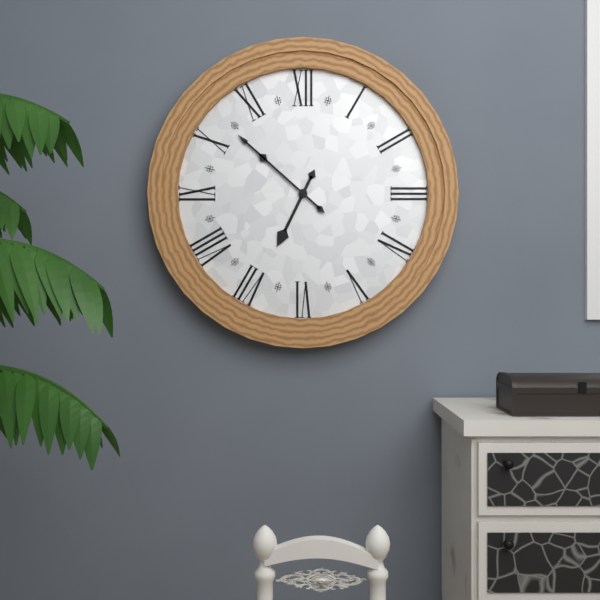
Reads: 6 h 52 min
